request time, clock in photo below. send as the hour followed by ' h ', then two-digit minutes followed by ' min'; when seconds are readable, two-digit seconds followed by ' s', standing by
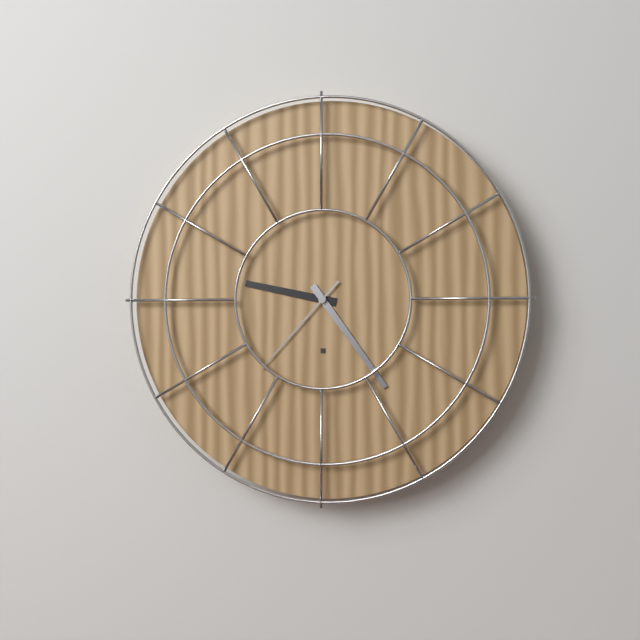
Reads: 9 h 24 min 37 s
